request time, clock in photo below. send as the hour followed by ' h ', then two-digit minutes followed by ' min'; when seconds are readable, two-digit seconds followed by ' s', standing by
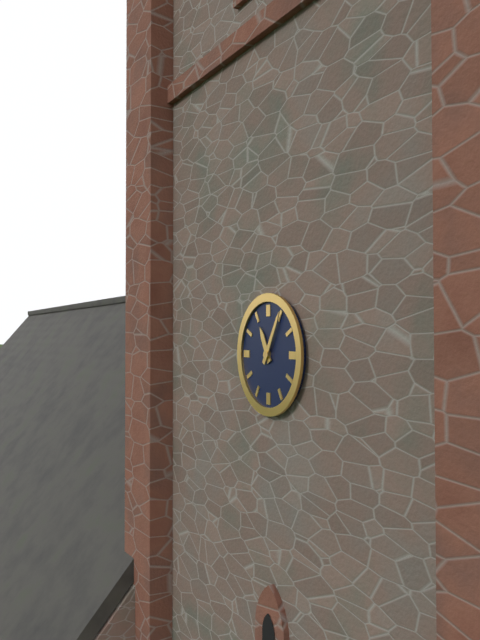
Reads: 11 h 05 min
